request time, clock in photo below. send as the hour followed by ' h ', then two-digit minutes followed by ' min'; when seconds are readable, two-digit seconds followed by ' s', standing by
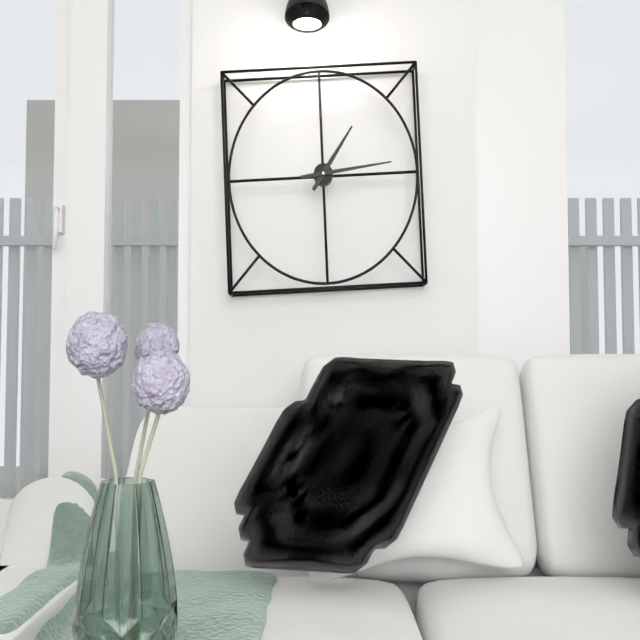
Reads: 1 h 14 min
